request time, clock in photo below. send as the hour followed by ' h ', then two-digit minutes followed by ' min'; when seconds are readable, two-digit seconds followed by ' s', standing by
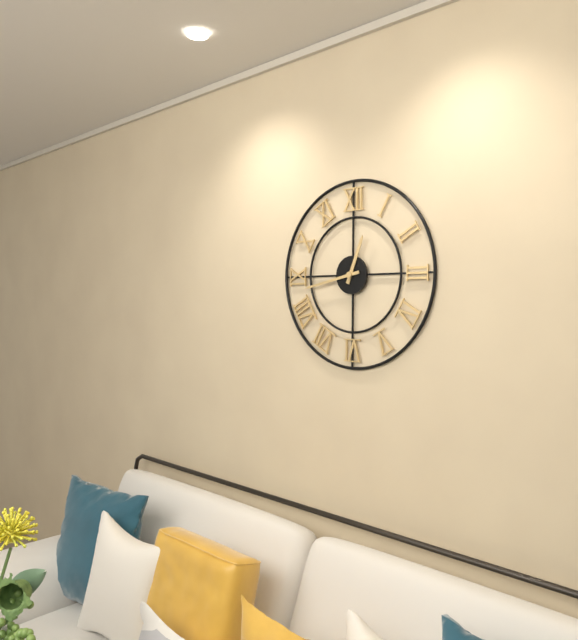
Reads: 12 h 43 min
